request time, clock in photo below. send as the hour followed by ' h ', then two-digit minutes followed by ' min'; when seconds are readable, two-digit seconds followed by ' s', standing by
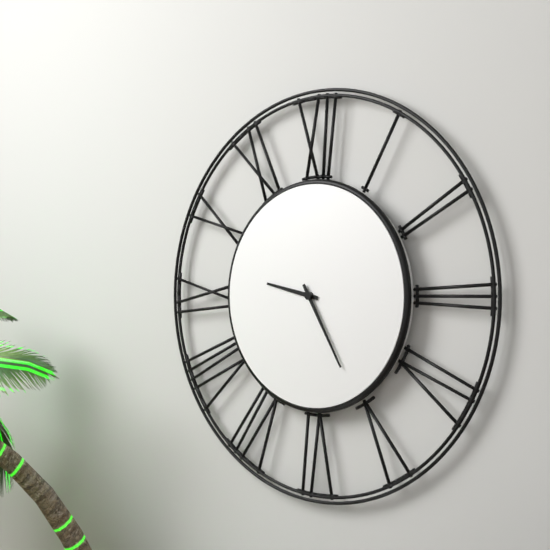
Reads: 9 h 25 min
